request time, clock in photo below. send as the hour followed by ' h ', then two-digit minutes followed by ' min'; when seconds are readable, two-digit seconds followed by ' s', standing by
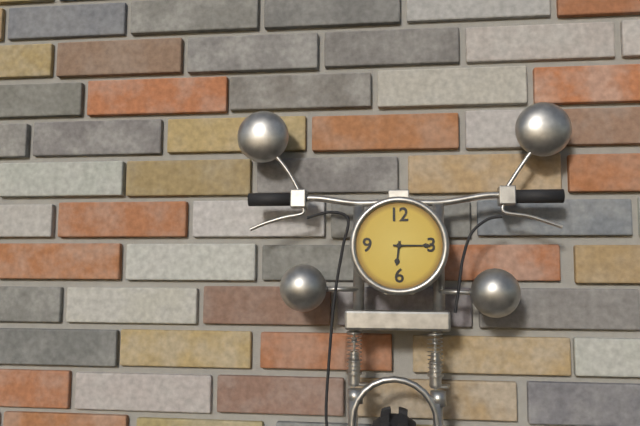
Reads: 6 h 15 min
